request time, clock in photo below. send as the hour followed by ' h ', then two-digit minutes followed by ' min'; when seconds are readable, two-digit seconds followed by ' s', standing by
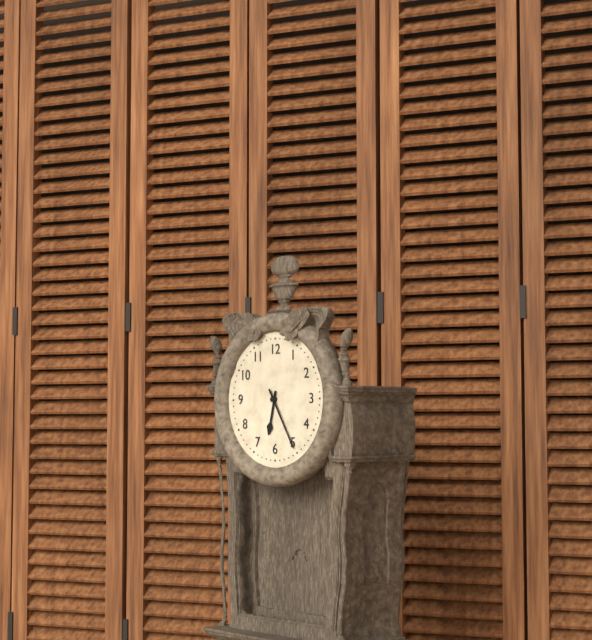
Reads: 6 h 25 min
